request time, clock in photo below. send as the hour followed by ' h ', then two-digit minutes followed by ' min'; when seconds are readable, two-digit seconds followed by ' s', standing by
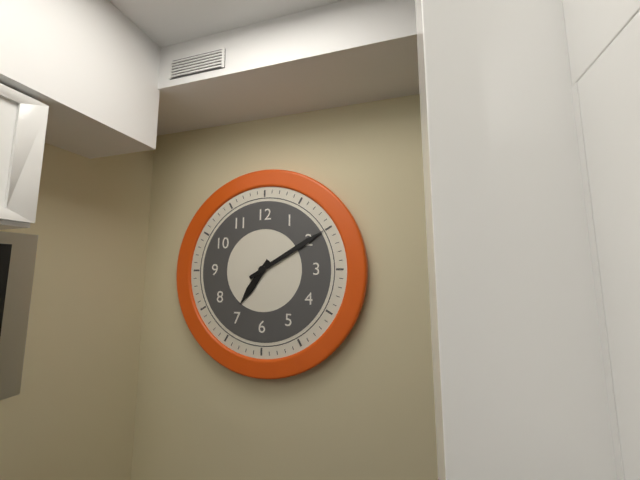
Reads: 7 h 10 min
